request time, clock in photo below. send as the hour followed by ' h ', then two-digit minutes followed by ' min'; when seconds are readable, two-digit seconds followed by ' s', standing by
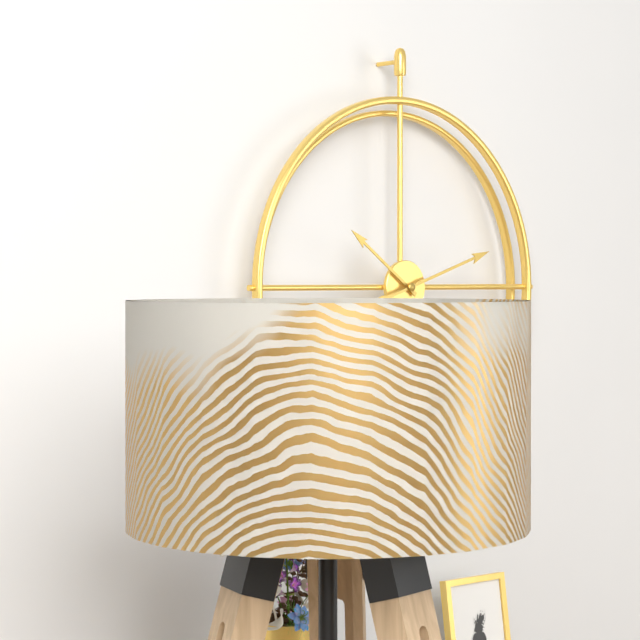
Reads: 10 h 12 min
